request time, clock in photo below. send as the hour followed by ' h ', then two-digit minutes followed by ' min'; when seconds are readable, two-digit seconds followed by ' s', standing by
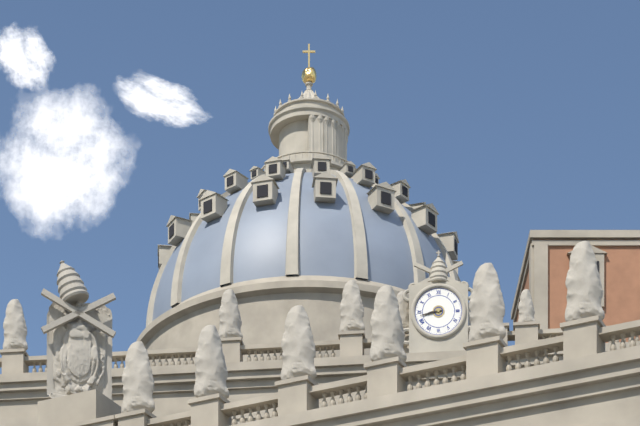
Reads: 8 h 43 min
